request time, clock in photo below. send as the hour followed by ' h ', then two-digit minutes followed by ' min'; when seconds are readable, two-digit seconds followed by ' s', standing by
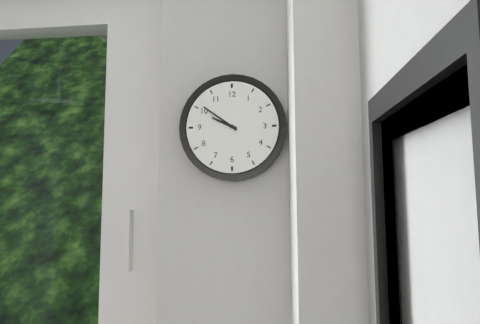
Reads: 9 h 51 min
